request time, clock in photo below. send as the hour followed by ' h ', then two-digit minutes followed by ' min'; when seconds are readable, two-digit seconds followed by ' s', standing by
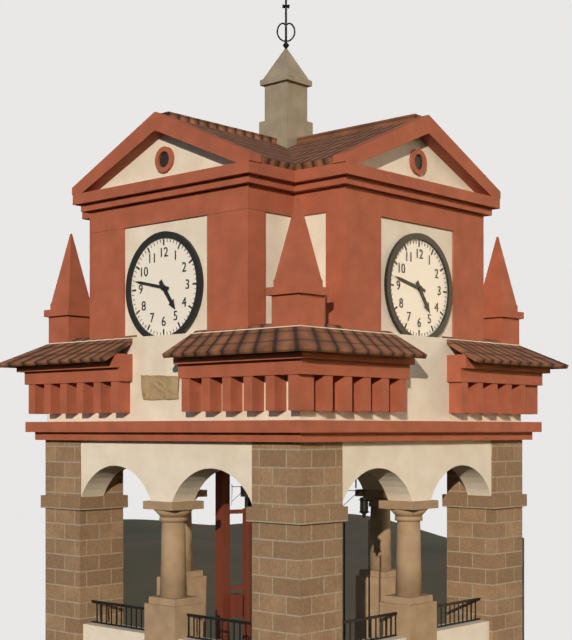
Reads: 4 h 47 min
